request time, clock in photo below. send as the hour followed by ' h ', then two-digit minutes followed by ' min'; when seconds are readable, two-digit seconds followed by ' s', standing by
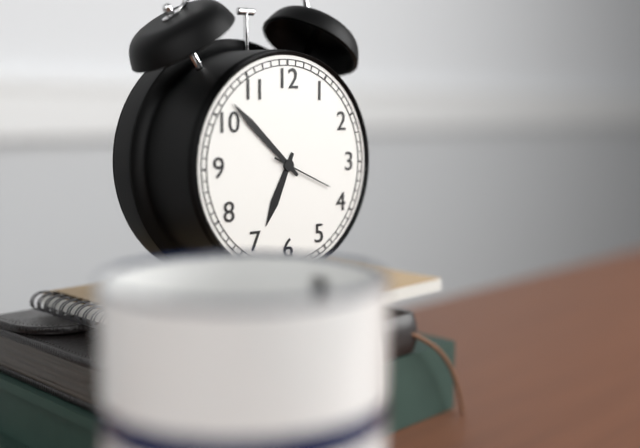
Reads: 6 h 52 min 19 s
